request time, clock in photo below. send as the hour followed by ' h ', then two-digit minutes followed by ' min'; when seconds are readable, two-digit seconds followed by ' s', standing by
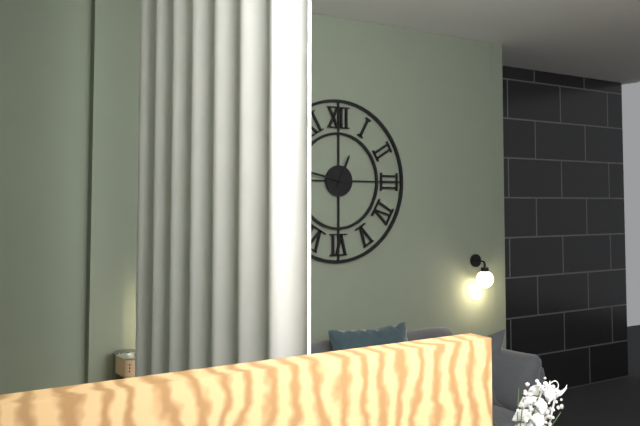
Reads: 12 h 47 min
